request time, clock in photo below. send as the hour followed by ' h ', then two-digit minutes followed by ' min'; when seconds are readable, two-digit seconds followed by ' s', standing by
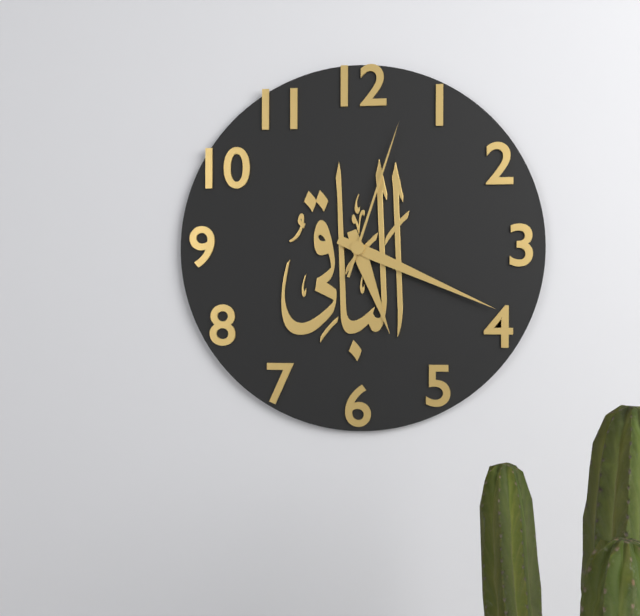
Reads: 5 h 19 min 03 s
